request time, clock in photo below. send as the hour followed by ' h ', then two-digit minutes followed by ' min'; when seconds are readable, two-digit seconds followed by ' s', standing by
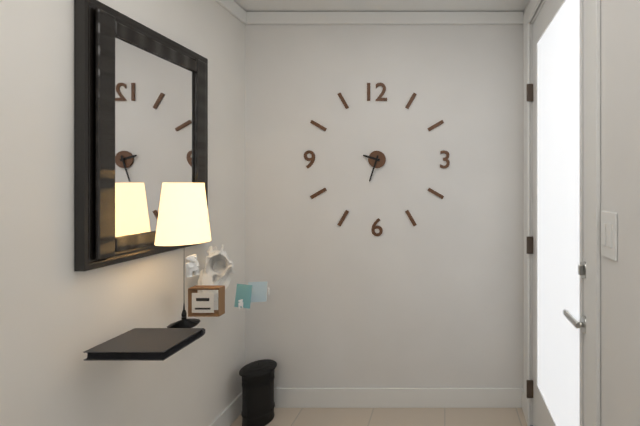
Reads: 9 h 33 min
